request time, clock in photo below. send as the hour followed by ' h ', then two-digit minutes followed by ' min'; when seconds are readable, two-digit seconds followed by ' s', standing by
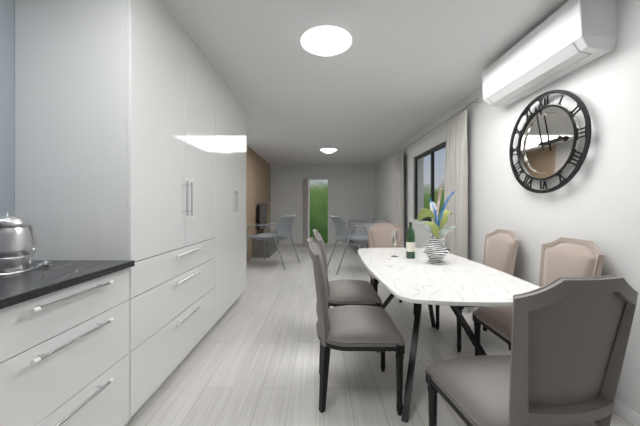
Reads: 2 h 58 min
